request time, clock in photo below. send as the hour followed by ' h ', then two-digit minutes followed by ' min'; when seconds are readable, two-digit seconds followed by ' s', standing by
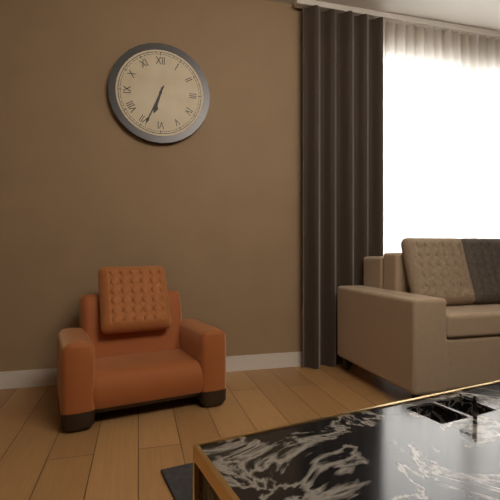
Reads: 6 h 34 min
